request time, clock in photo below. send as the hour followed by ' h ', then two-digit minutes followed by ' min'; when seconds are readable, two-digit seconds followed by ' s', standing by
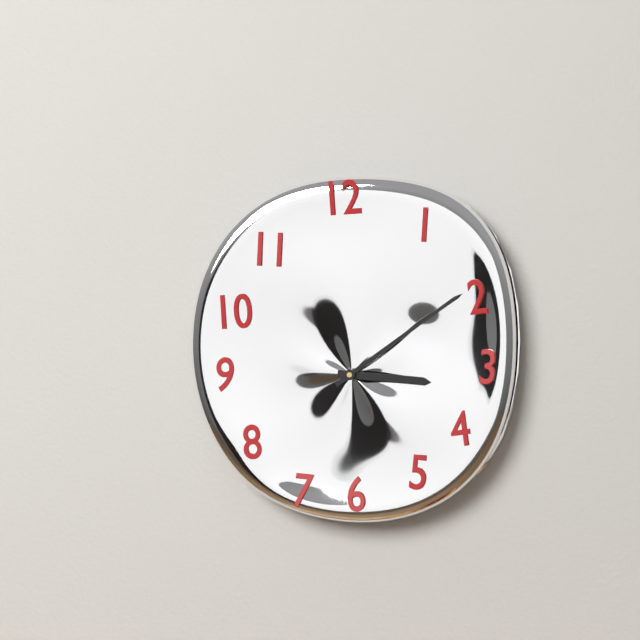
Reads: 3 h 09 min
